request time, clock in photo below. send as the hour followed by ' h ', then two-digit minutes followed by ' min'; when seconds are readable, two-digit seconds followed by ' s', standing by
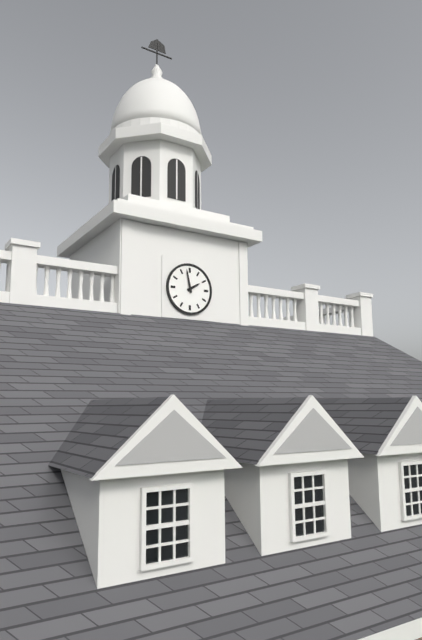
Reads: 1 h 58 min
